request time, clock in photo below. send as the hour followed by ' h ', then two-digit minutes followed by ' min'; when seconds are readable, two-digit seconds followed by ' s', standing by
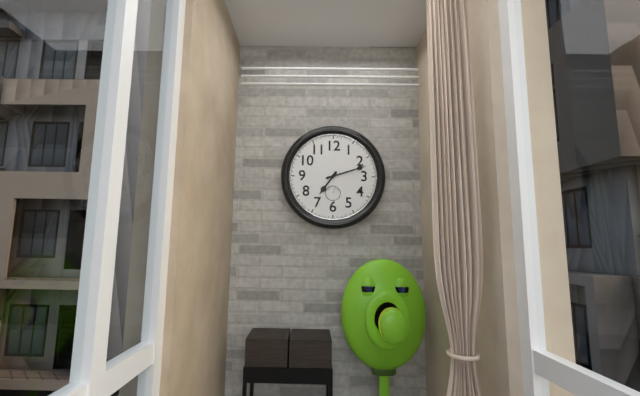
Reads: 7 h 12 min
